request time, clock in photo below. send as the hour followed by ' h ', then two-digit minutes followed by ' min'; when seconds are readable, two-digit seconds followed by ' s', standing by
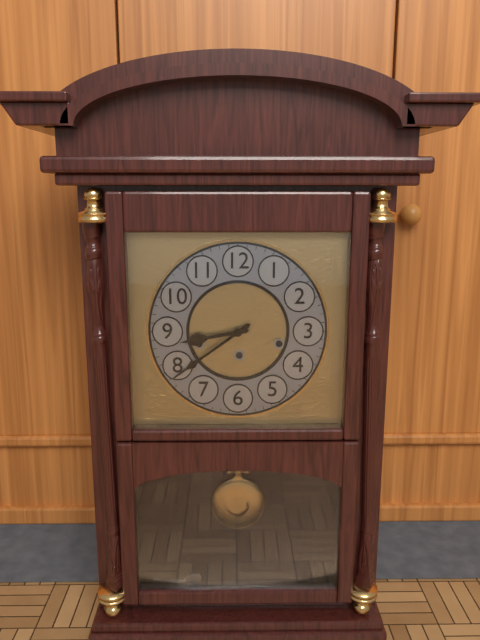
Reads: 8 h 39 min
